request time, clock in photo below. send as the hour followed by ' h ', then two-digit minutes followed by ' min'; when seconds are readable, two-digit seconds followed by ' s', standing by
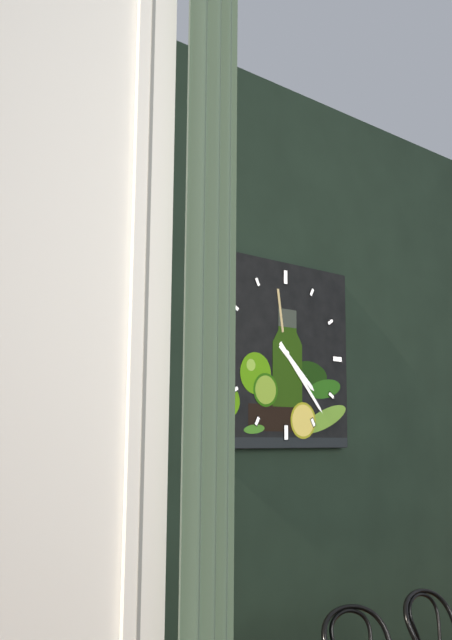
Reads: 4 h 23 min
